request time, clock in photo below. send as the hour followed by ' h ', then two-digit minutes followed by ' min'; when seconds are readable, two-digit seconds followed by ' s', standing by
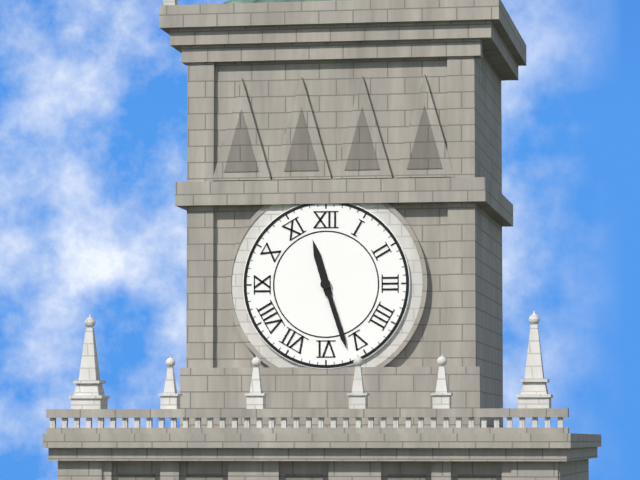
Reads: 11 h 27 min
